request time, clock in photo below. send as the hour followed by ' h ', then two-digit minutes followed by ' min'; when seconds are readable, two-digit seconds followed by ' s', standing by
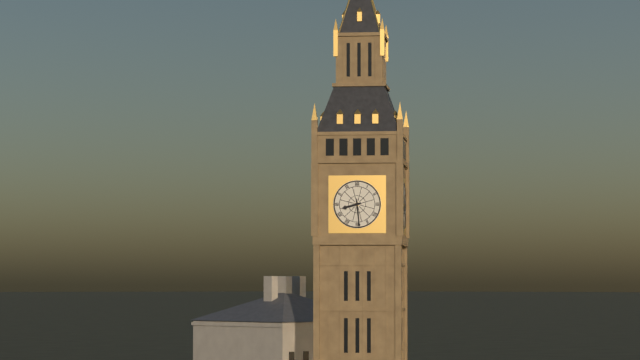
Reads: 8 h 29 min
